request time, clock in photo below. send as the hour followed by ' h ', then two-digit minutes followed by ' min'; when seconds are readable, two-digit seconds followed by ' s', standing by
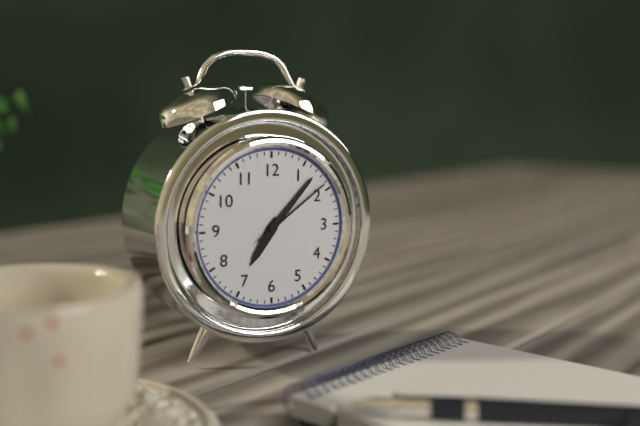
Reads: 7 h 07 min 09 s
